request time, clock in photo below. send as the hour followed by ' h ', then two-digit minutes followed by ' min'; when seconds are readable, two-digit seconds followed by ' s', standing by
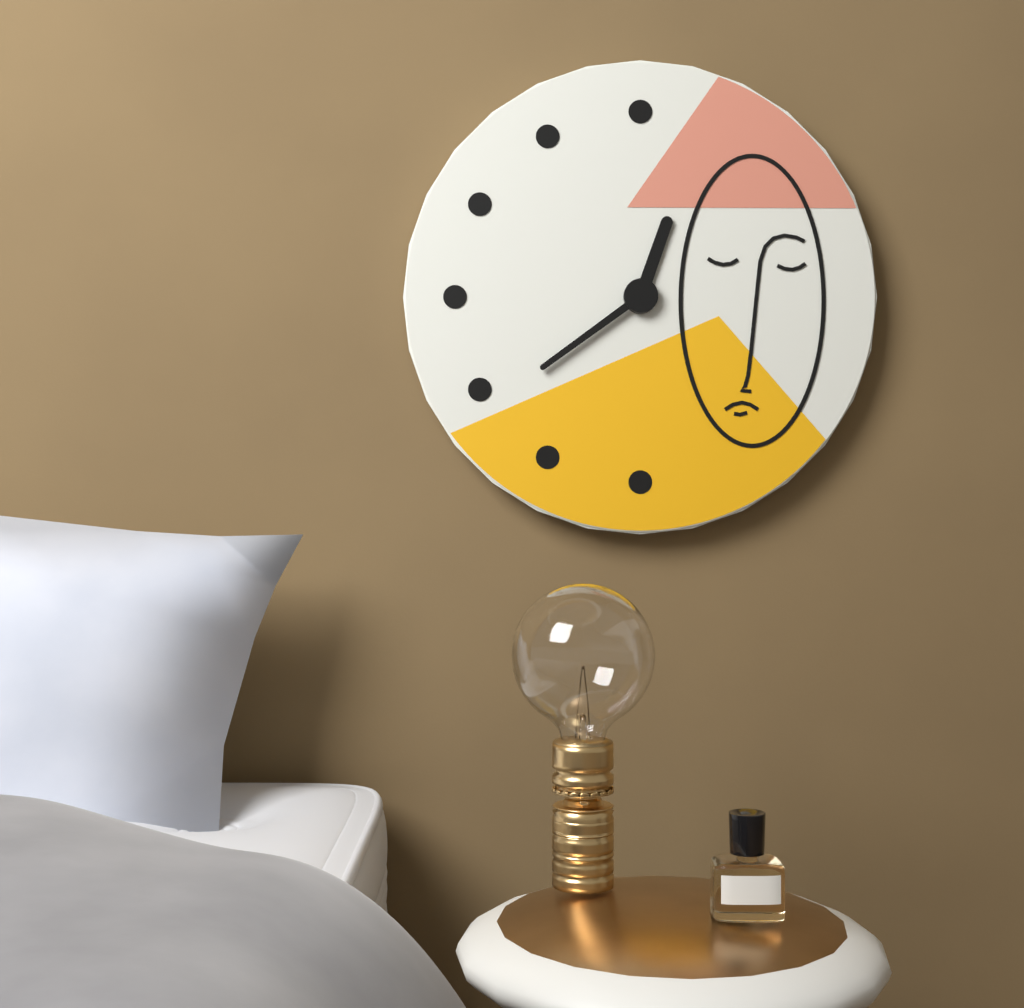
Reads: 12 h 39 min
